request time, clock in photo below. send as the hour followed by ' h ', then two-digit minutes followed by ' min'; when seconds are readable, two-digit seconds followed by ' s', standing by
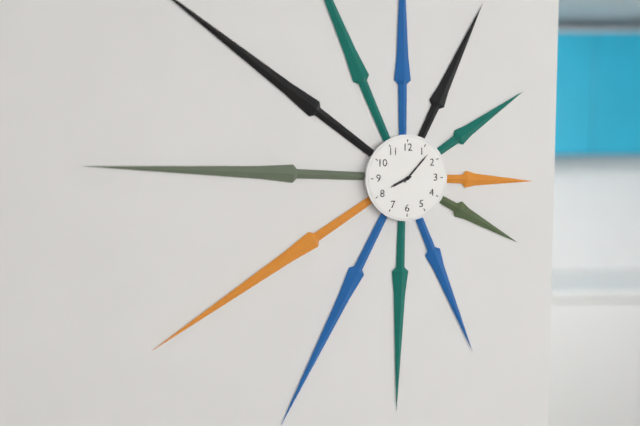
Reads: 8 h 07 min
